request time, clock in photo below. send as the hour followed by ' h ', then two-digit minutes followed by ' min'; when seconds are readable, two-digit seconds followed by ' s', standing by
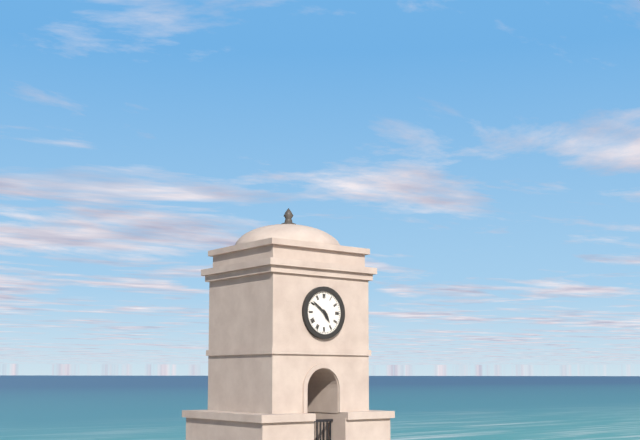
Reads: 4 h 51 min
